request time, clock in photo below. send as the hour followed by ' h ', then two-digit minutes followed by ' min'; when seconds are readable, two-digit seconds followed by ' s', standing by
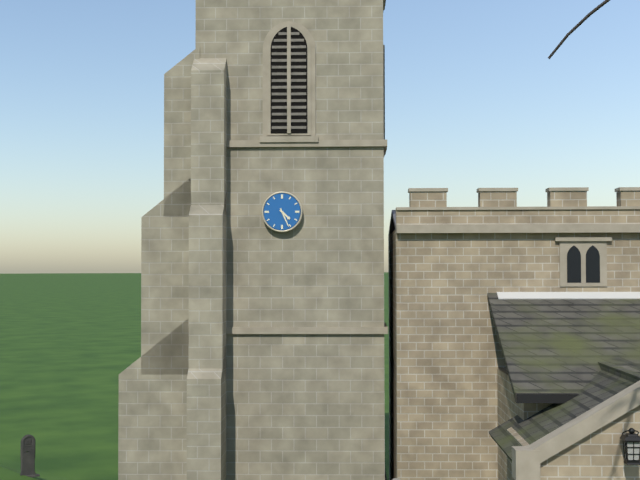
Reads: 4 h 26 min
